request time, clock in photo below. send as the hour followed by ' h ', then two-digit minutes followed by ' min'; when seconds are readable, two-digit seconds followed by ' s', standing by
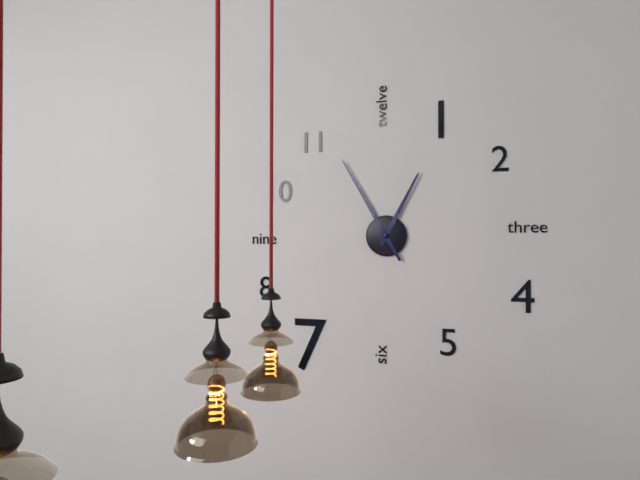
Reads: 12 h 55 min
